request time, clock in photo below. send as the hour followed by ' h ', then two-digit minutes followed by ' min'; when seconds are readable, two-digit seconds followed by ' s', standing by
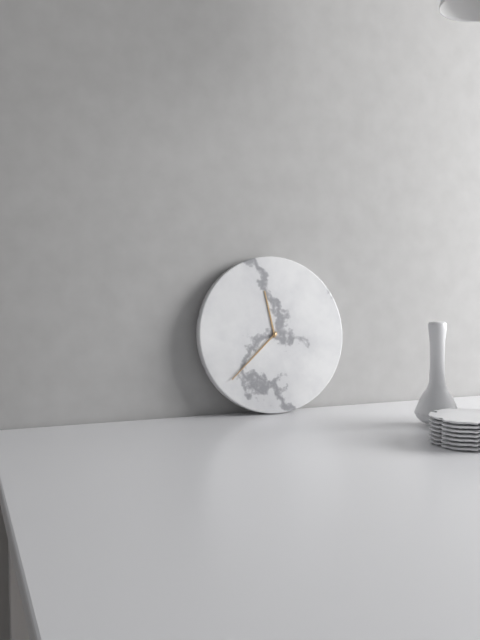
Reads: 11 h 38 min
